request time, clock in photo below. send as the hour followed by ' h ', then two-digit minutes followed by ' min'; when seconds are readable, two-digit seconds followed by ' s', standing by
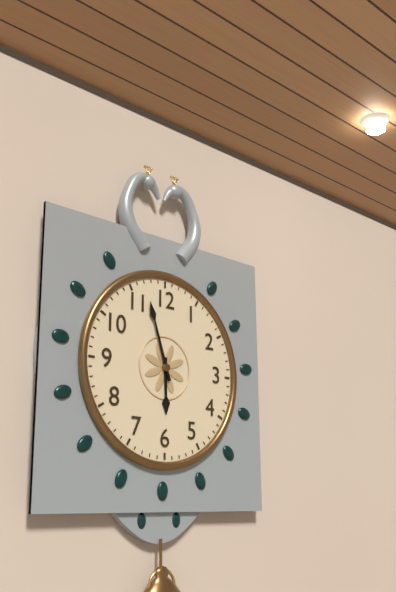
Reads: 5 h 57 min
